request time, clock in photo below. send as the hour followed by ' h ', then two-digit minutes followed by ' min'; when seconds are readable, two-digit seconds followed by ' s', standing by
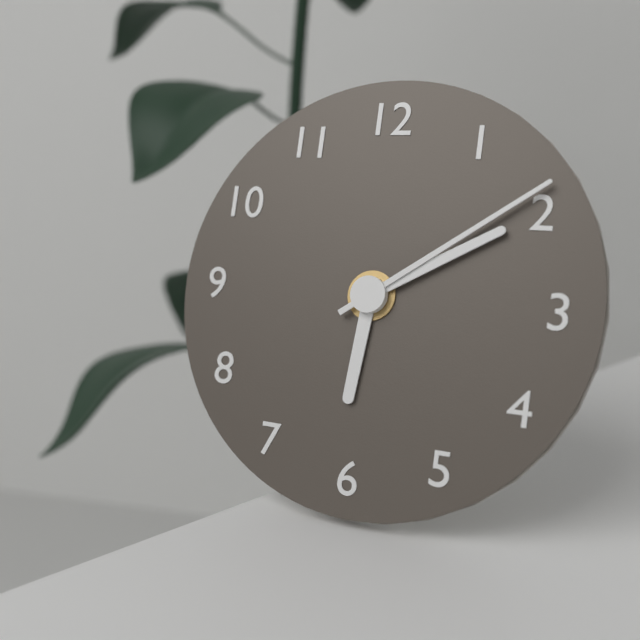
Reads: 6 h 10 min 09 s
